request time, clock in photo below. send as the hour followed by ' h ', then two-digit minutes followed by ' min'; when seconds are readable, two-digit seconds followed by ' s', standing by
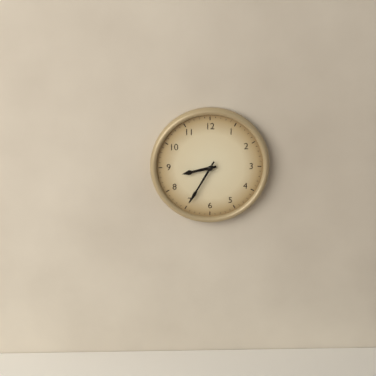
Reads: 8 h 35 min
